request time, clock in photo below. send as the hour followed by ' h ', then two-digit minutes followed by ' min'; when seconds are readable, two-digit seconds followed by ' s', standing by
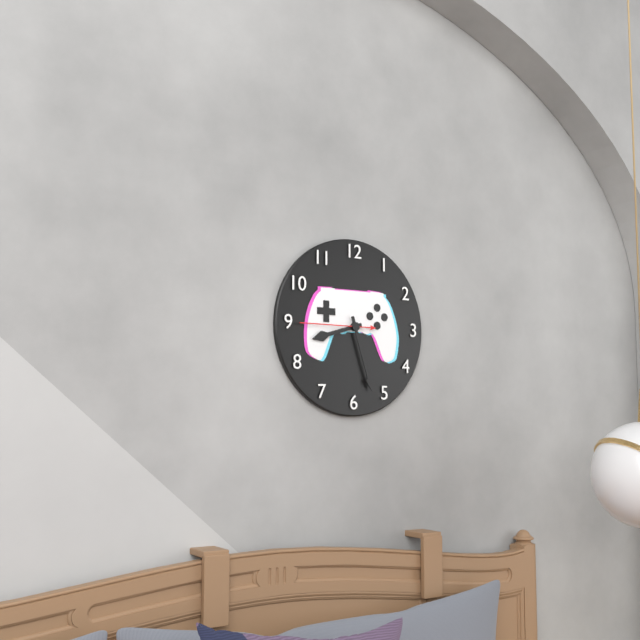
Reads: 8 h 27 min 45 s
